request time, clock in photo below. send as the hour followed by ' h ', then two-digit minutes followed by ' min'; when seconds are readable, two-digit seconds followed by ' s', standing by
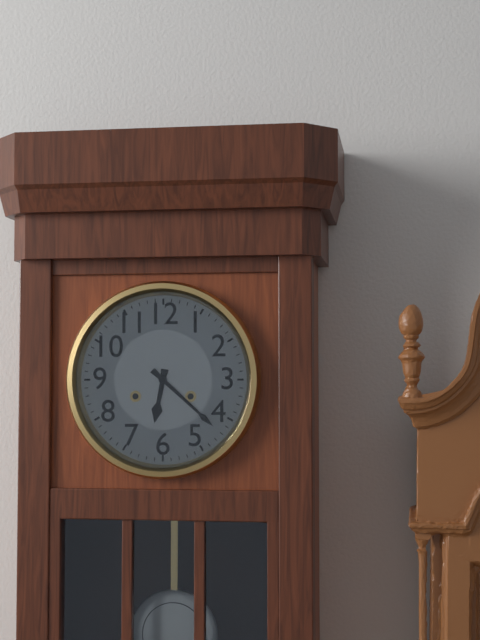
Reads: 6 h 22 min
